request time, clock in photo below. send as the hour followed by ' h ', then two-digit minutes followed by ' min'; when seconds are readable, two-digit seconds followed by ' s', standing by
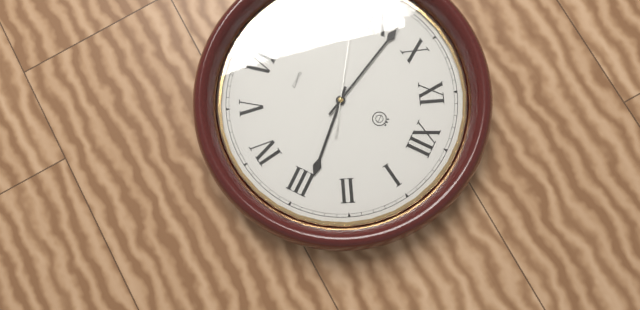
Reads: 2 h 47 min 42 s
